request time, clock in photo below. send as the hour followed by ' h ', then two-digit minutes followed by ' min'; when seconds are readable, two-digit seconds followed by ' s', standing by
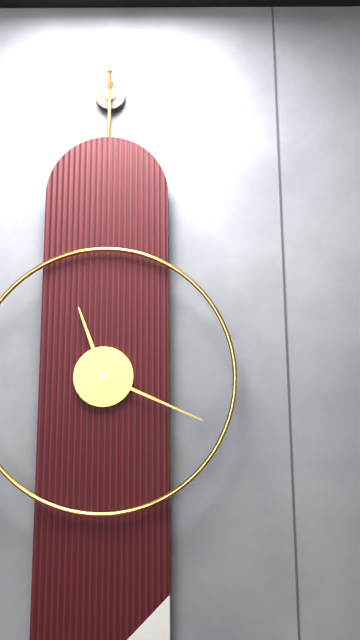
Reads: 11 h 19 min
